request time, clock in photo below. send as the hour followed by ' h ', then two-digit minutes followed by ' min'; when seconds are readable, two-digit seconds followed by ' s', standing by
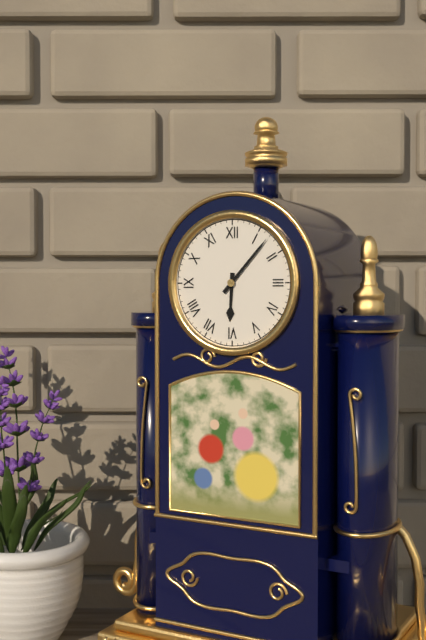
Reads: 6 h 07 min
